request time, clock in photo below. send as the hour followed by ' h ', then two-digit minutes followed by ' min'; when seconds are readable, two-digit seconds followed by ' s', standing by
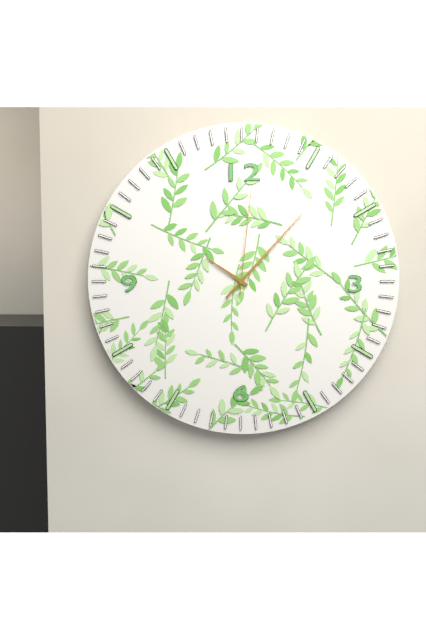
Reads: 10 h 07 min 01 s
